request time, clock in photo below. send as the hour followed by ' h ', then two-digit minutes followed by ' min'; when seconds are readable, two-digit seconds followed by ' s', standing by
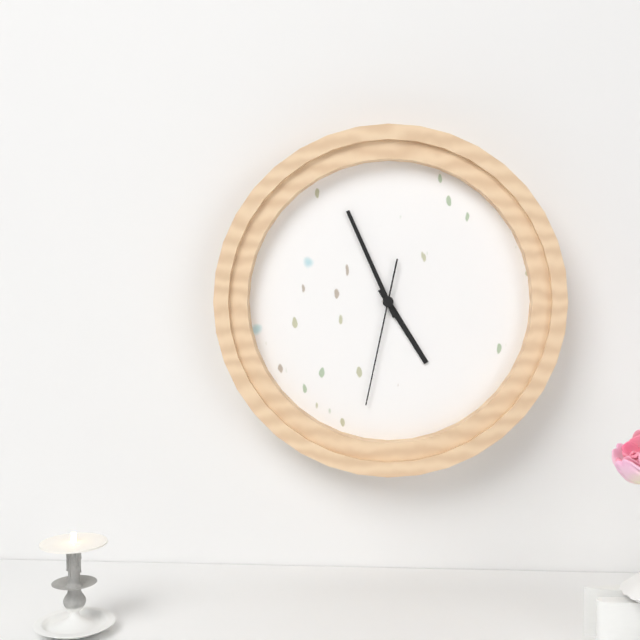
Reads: 4 h 56 min 32 s
